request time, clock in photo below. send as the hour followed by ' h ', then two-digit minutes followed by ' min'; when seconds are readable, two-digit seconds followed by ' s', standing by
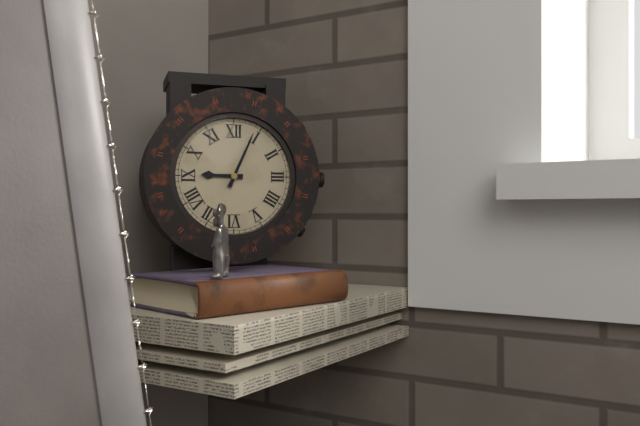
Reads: 9 h 04 min
